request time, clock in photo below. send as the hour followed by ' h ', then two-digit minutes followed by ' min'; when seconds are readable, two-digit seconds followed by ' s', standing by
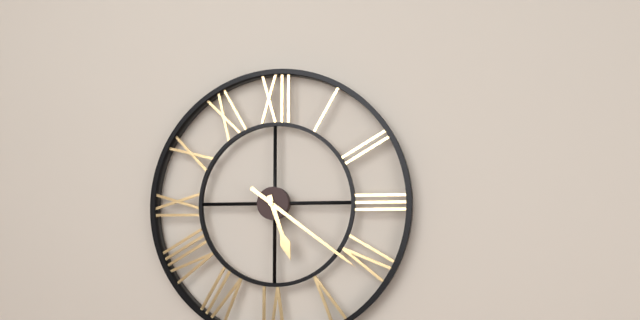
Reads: 5 h 21 min
